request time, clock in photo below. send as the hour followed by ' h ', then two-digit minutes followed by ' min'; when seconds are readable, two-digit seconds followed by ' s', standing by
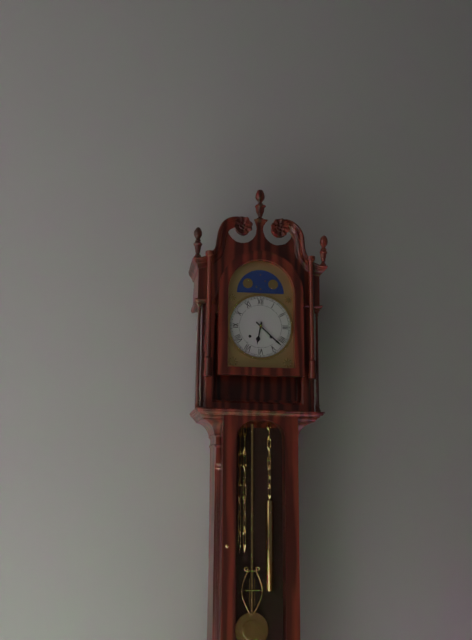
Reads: 6 h 22 min
